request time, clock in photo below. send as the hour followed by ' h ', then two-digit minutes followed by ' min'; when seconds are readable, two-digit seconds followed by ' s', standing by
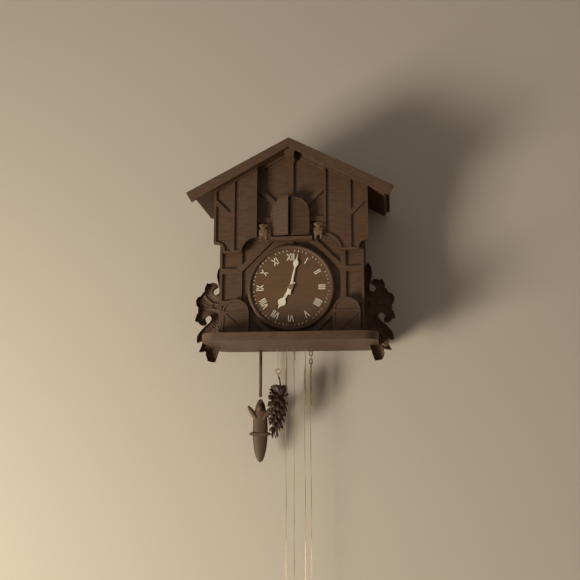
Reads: 7 h 02 min
